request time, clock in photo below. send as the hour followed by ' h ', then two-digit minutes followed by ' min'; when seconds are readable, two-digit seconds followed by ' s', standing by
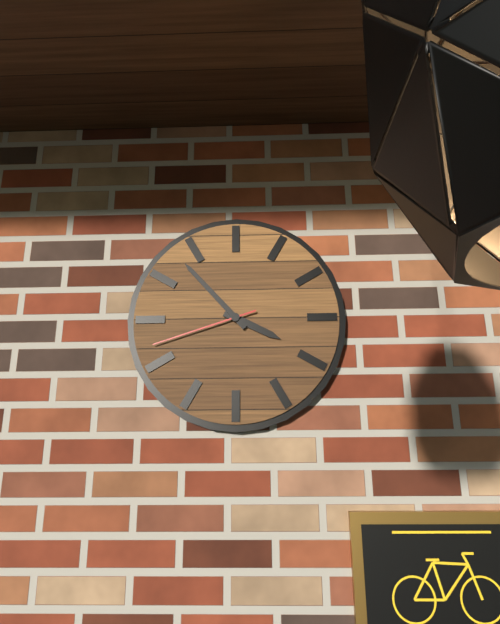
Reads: 3 h 53 min 42 s
